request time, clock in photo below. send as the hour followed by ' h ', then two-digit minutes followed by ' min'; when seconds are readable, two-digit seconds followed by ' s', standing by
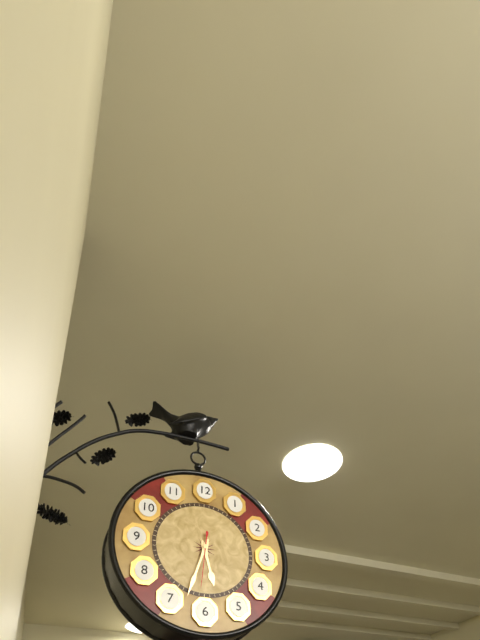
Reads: 5 h 33 min 31 s
